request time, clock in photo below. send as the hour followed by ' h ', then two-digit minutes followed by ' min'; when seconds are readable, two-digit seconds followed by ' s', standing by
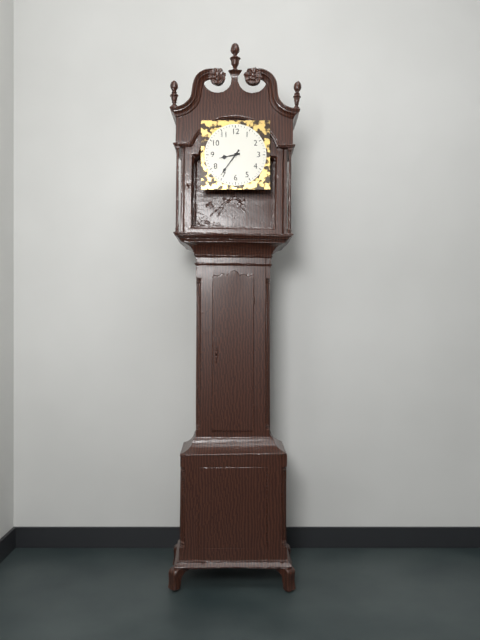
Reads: 8 h 36 min
